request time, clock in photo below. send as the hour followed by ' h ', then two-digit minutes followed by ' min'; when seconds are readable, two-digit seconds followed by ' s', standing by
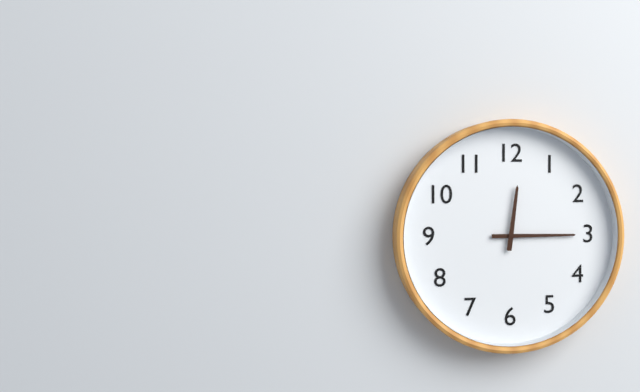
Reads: 12 h 15 min
